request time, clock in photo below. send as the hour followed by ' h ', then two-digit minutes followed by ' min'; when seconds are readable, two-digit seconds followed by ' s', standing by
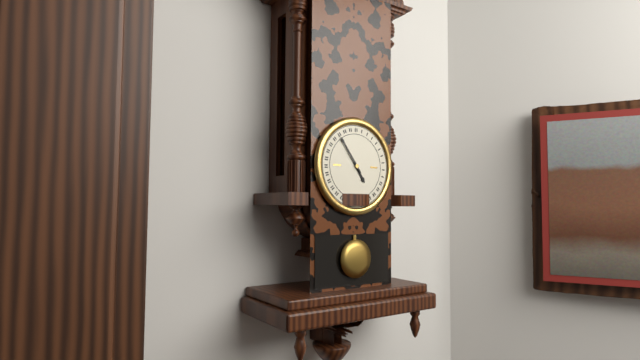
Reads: 4 h 54 min
